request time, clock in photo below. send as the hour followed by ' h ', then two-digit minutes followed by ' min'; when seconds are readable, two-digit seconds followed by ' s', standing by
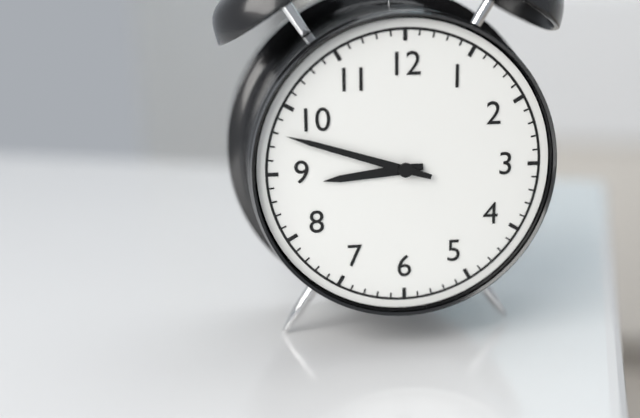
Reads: 8 h 48 min
